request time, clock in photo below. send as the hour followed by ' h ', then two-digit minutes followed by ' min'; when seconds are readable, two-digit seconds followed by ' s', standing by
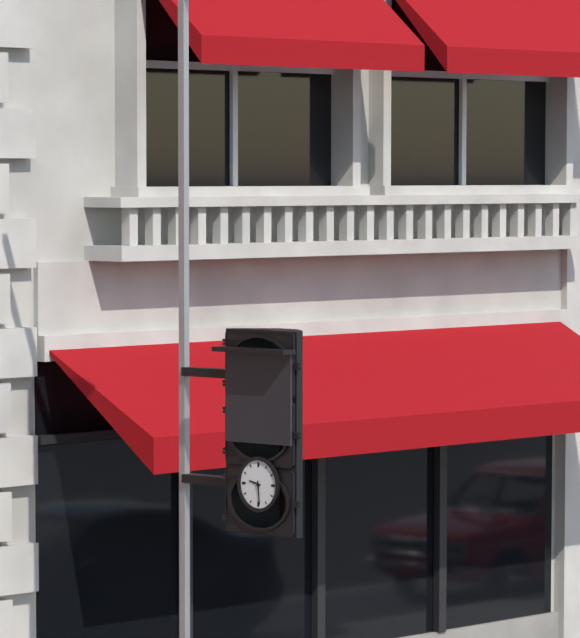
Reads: 9 h 29 min
